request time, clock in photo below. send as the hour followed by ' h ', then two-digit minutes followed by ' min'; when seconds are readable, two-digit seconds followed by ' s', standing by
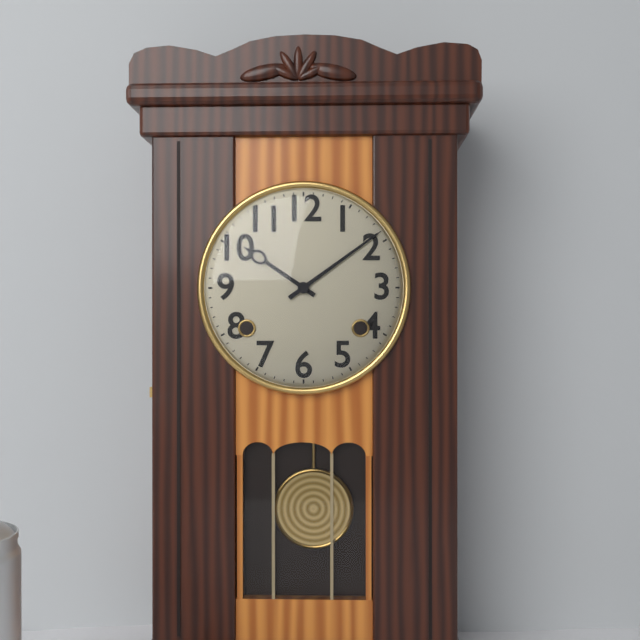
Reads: 10 h 09 min
